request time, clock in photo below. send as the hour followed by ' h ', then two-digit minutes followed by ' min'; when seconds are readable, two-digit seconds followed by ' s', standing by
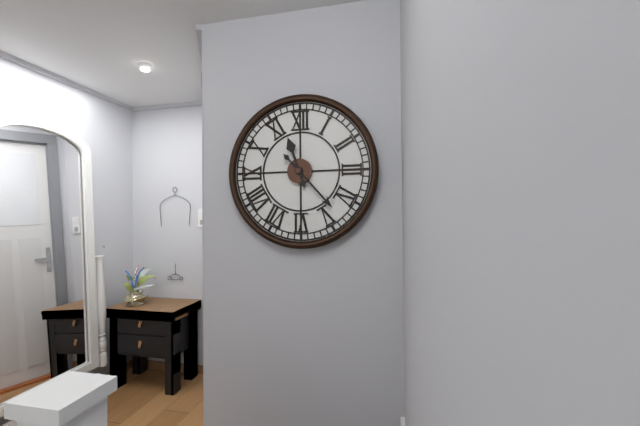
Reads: 11 h 23 min
